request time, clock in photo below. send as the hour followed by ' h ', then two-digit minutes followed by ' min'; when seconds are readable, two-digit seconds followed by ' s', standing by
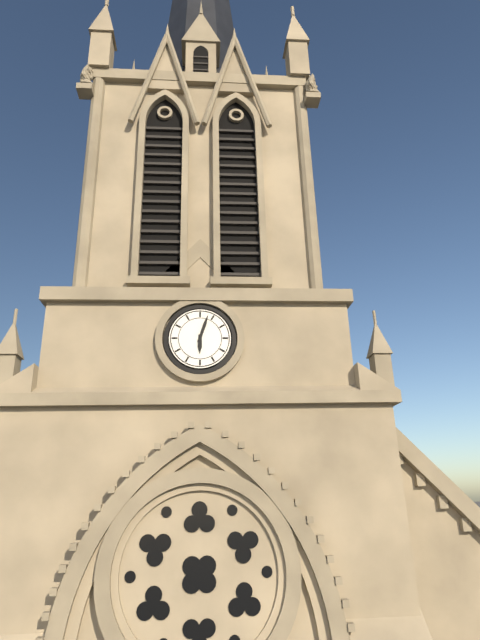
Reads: 6 h 03 min
